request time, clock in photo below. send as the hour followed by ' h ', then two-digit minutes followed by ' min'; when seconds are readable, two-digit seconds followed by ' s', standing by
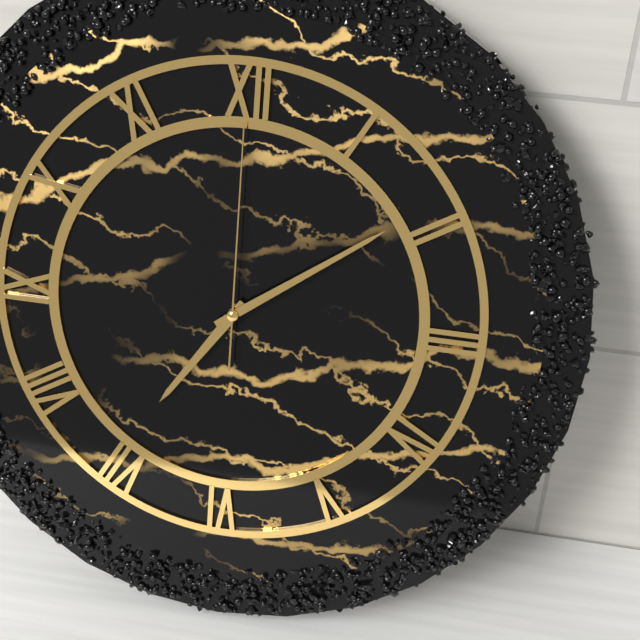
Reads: 7 h 09 min 00 s
